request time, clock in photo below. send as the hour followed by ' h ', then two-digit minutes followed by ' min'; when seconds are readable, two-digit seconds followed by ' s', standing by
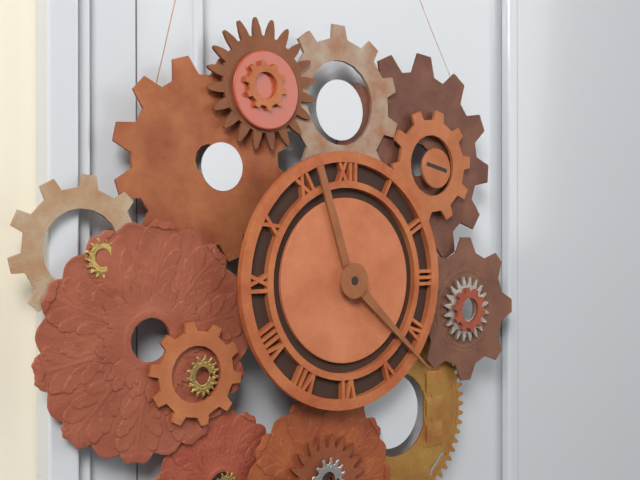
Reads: 11 h 22 min
